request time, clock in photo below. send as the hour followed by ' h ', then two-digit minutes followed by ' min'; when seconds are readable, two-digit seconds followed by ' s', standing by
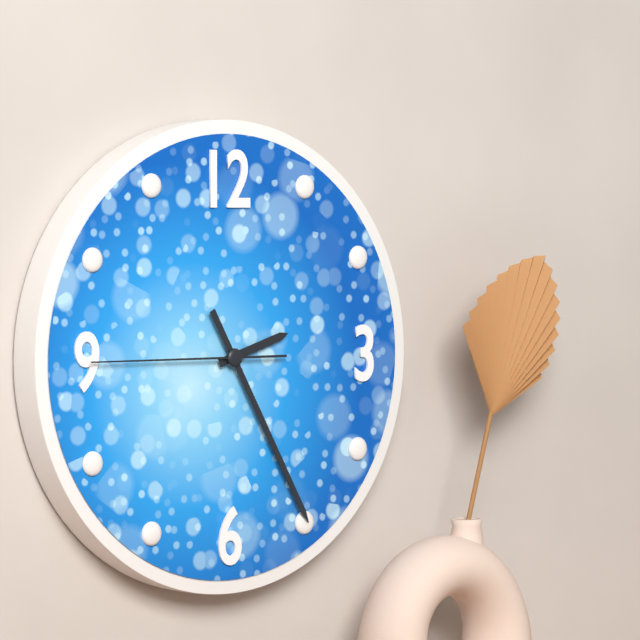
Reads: 2 h 25 min 45 s
